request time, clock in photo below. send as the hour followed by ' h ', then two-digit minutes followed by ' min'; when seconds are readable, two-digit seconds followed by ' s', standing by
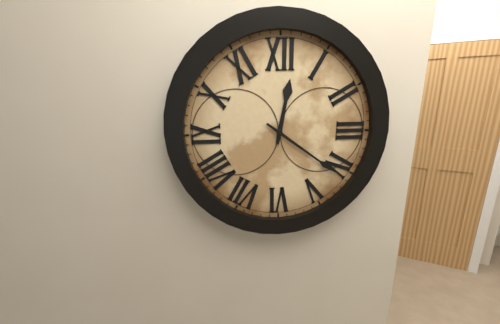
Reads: 12 h 21 min
